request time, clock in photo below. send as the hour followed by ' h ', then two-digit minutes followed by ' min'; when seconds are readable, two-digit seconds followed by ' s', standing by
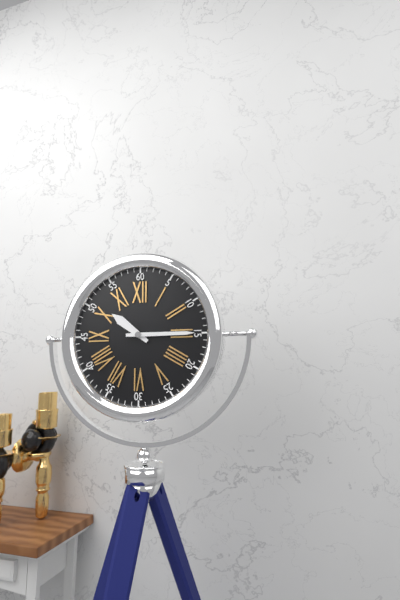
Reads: 10 h 15 min
